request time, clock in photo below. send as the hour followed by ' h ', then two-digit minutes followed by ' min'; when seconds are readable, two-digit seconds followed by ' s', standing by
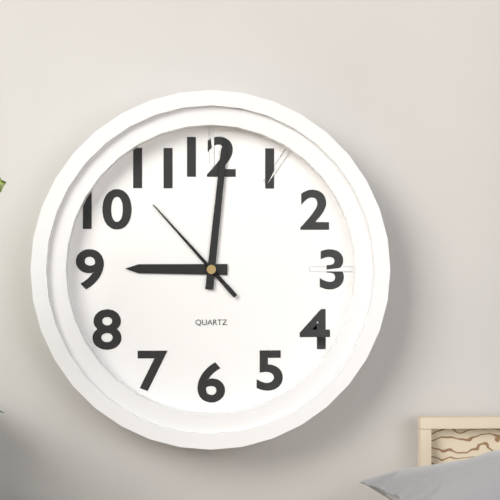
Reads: 9 h 01 min 53 s
